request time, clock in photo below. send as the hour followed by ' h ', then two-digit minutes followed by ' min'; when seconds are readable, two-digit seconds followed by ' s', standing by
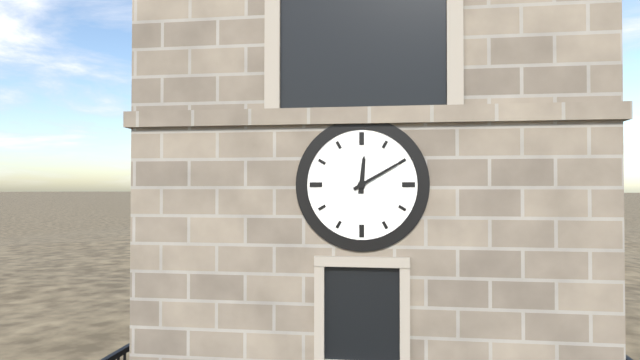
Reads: 12 h 10 min
